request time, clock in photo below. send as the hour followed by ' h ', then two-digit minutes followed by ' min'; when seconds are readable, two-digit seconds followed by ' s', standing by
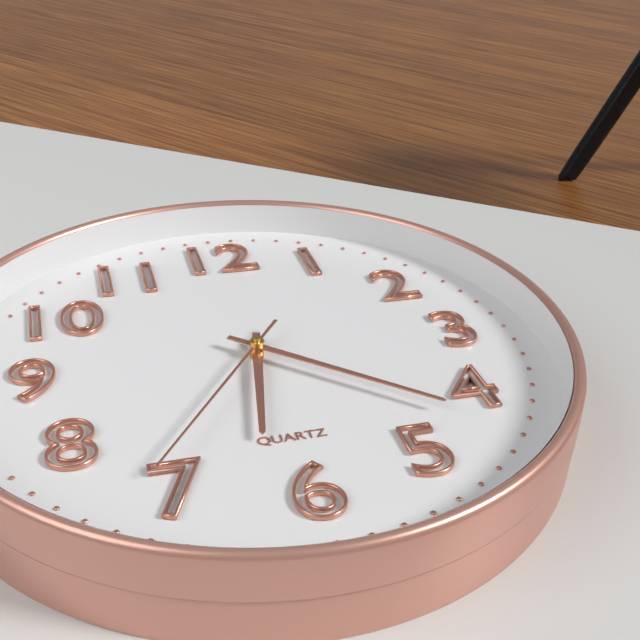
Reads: 6 h 22 min 36 s
